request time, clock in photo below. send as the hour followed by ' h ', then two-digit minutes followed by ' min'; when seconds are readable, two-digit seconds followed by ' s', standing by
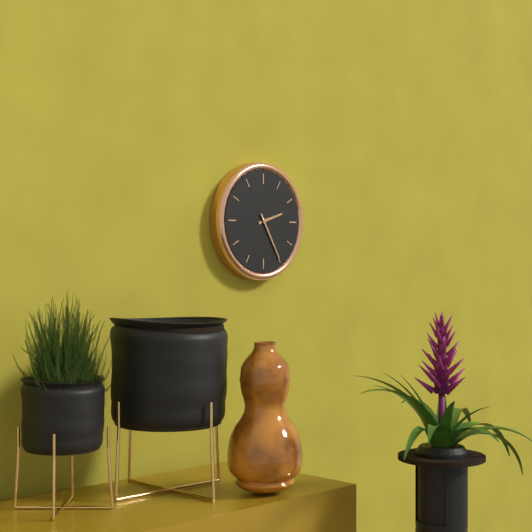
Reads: 2 h 25 min
